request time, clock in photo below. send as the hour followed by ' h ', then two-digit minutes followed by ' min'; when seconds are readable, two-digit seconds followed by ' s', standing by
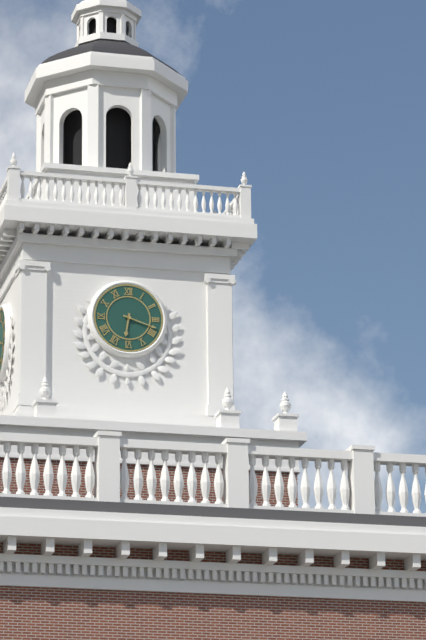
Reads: 6 h 18 min
